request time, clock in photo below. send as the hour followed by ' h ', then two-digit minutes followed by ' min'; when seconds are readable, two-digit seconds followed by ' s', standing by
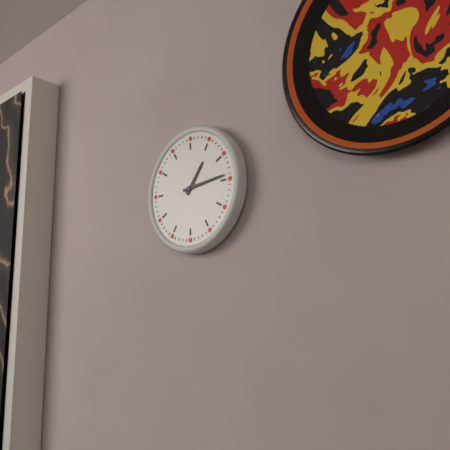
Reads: 1 h 14 min
